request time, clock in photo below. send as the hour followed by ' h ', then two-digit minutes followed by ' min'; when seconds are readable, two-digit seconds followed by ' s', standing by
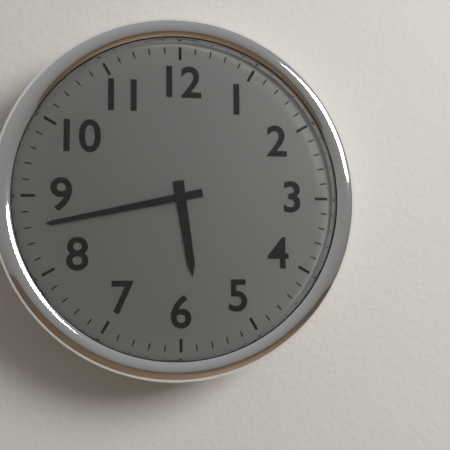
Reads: 5 h 43 min
